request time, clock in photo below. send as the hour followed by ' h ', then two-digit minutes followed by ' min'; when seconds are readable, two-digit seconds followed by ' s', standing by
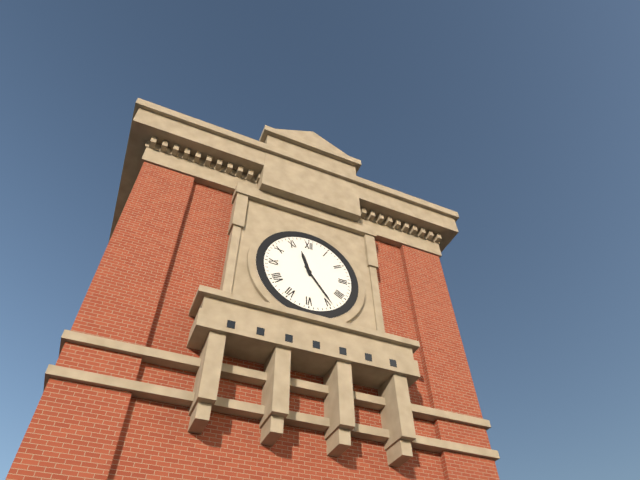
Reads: 11 h 24 min
